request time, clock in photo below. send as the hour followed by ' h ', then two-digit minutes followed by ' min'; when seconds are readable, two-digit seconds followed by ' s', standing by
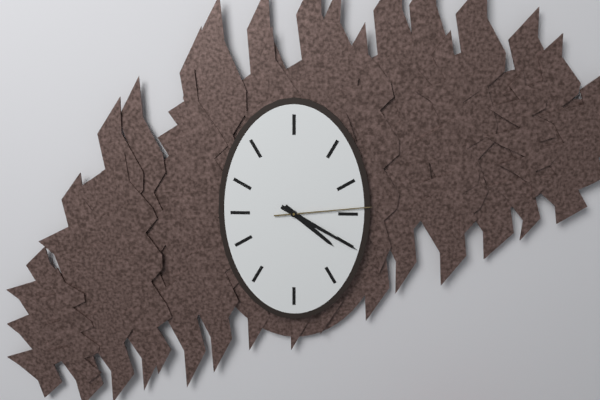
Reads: 4 h 20 min 14 s
